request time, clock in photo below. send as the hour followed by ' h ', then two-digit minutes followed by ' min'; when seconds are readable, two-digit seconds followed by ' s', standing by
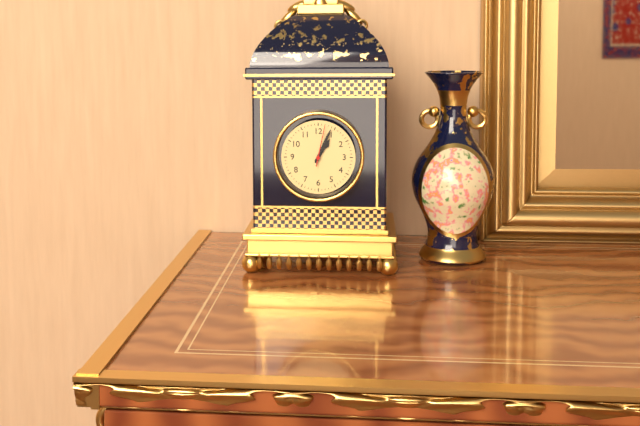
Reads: 1 h 04 min
